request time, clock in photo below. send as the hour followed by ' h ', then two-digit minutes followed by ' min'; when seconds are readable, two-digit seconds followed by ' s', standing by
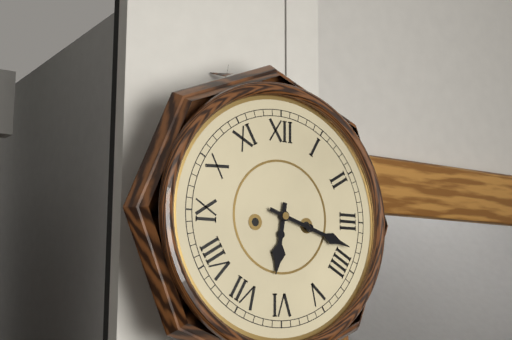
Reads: 6 h 18 min
